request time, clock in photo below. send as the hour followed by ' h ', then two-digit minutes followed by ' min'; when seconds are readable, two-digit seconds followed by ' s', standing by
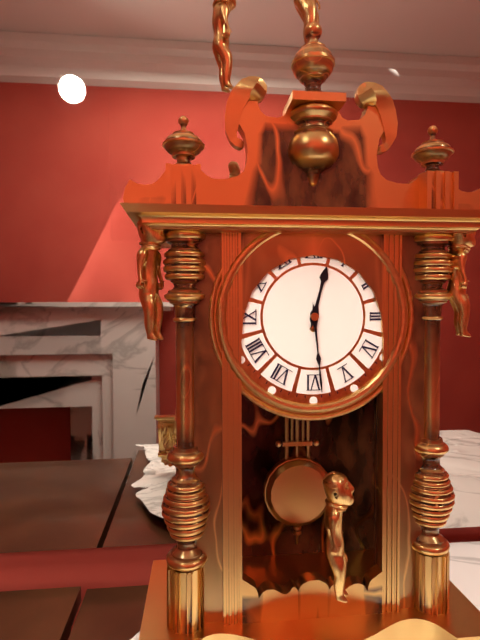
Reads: 12 h 29 min
